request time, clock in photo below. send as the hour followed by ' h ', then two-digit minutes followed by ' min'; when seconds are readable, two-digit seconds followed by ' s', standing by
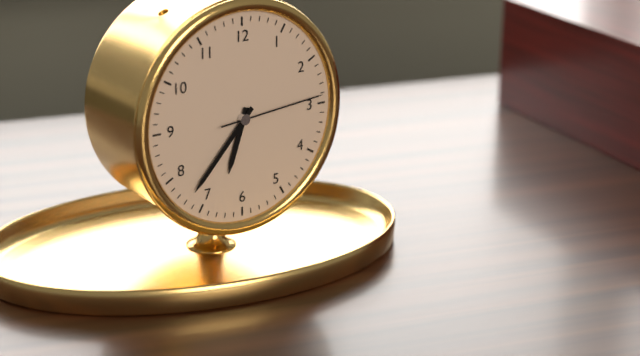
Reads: 6 h 37 min 14 s
